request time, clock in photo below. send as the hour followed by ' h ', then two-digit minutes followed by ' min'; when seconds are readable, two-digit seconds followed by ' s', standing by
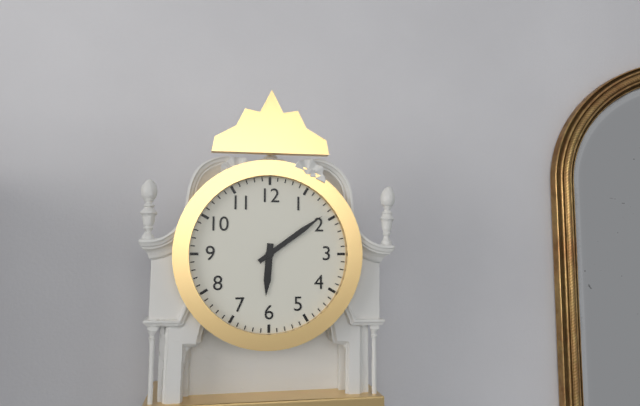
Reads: 6 h 09 min
